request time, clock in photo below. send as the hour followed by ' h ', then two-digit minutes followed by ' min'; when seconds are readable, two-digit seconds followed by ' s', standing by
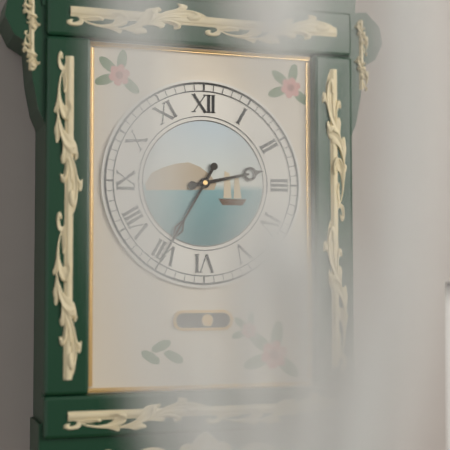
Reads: 2 h 35 min
